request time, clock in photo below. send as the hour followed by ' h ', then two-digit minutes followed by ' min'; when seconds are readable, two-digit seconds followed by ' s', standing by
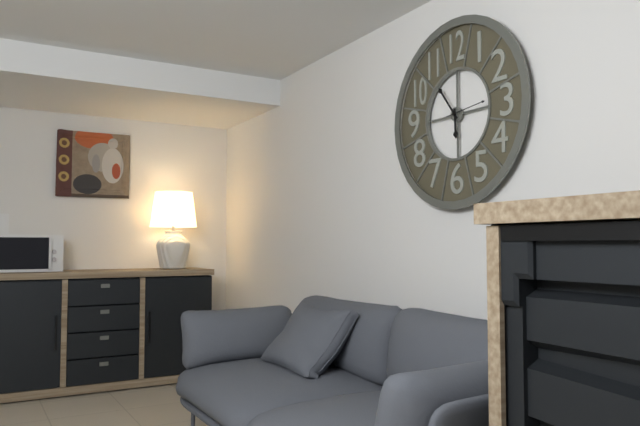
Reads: 5 h 54 min
